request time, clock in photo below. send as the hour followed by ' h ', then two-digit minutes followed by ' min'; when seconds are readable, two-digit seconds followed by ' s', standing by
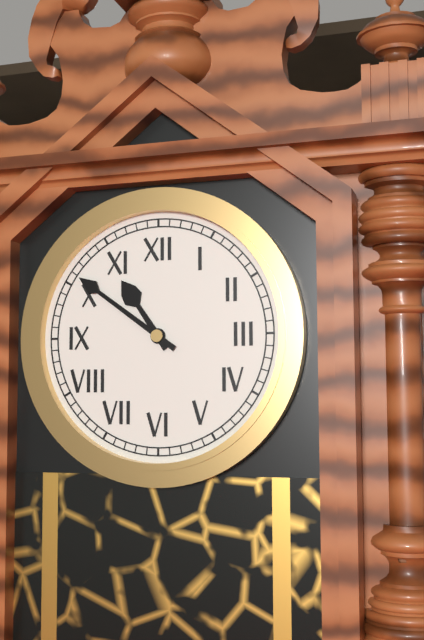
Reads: 10 h 51 min
